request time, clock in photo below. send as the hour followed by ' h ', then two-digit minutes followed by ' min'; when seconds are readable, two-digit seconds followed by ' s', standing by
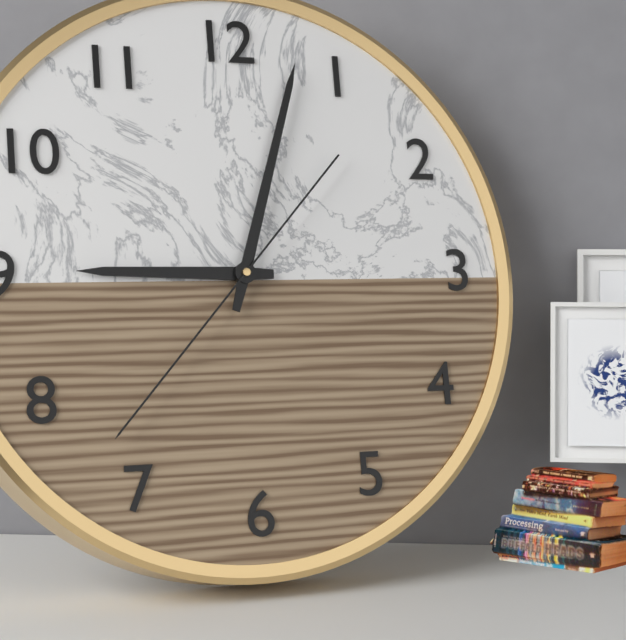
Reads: 9 h 03 min 37 s
